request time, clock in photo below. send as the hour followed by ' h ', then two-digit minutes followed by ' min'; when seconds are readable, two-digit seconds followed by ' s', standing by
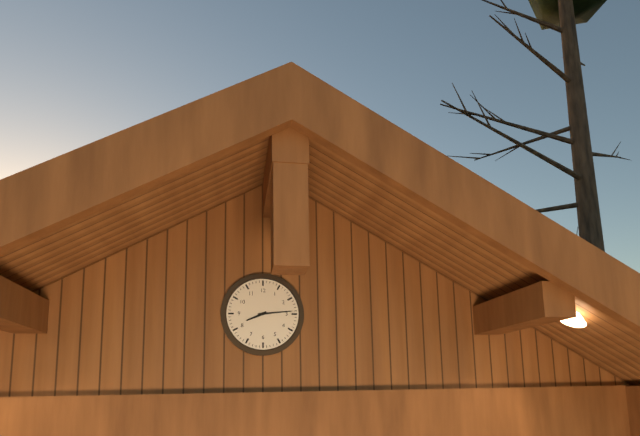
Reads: 8 h 14 min
